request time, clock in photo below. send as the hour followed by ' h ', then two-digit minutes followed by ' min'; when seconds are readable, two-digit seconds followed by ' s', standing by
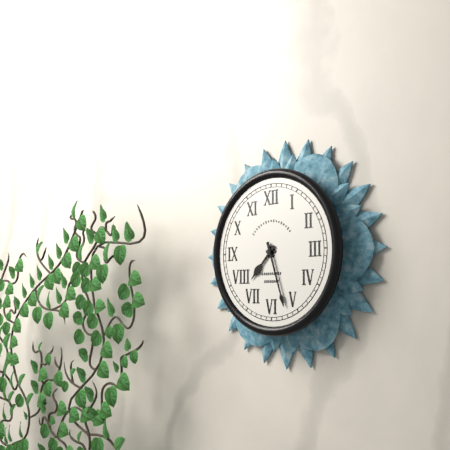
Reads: 7 h 27 min
